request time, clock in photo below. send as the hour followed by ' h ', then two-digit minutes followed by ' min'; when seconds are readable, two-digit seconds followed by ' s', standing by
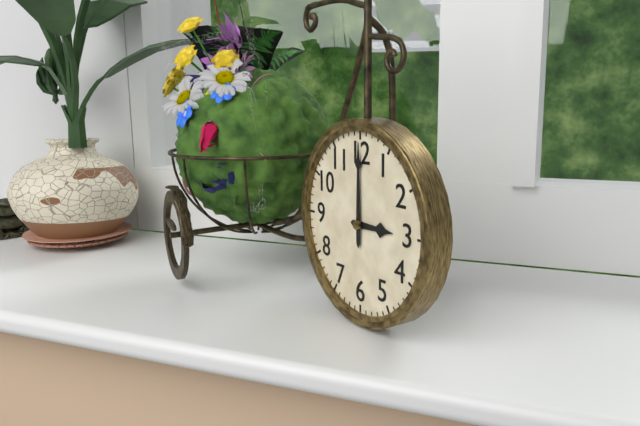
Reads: 3 h 00 min
